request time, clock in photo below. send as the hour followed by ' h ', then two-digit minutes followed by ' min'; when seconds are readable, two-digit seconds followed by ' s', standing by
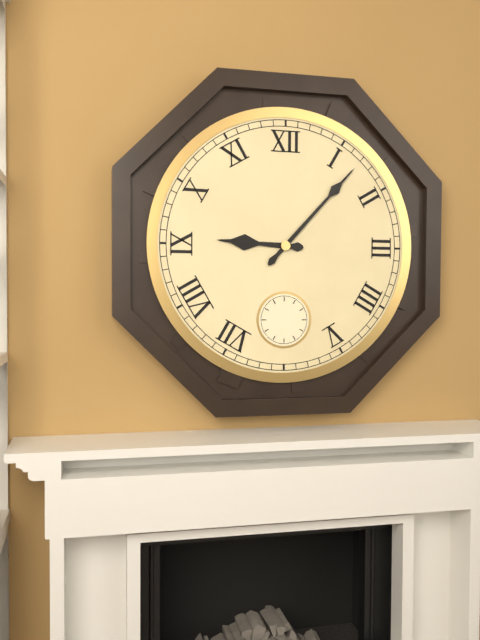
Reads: 9 h 07 min
